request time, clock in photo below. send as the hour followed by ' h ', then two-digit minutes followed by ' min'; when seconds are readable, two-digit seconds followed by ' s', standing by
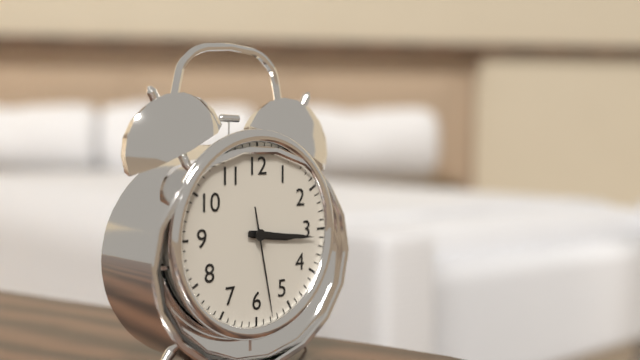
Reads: 3 h 16 min 28 s
